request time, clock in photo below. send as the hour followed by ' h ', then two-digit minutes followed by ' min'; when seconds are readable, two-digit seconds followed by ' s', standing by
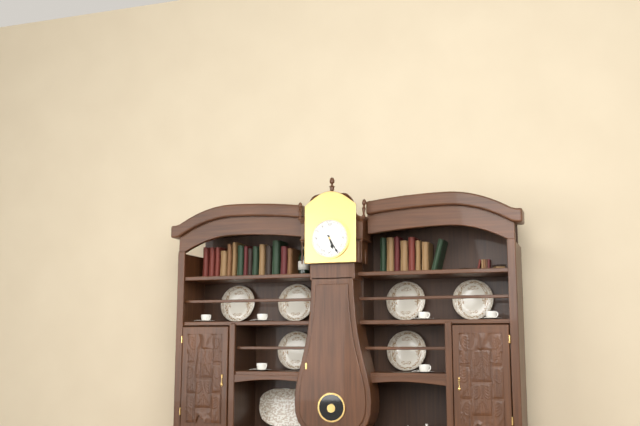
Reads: 5 h 25 min
